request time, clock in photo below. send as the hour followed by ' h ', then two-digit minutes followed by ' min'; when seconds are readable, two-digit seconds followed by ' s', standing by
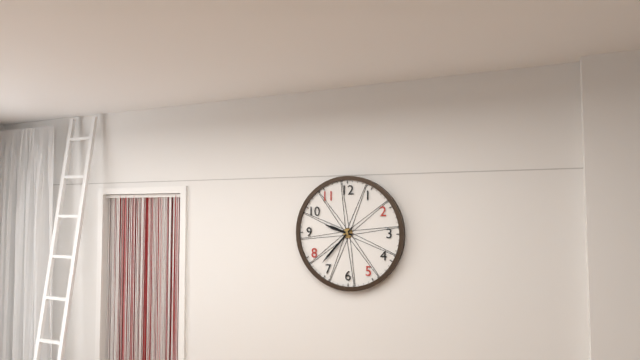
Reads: 9 h 37 min
